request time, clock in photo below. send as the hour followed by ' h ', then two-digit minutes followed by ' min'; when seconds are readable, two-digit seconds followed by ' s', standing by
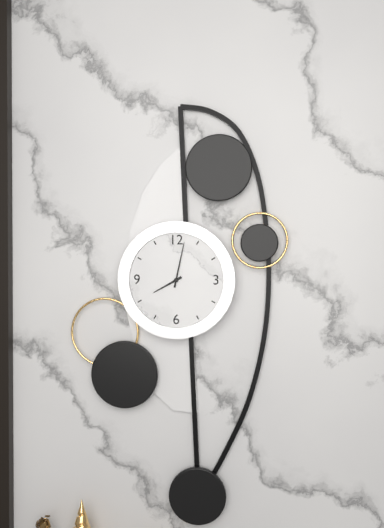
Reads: 8 h 02 min
